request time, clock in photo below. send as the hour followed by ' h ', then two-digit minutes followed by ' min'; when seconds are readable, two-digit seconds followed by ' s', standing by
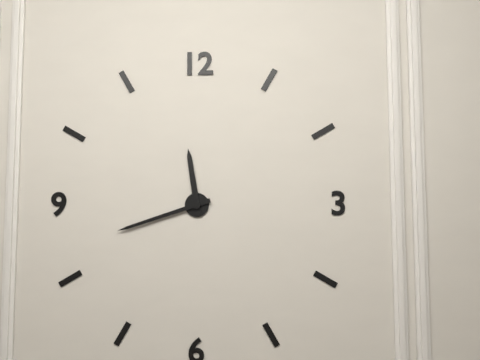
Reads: 11 h 42 min
